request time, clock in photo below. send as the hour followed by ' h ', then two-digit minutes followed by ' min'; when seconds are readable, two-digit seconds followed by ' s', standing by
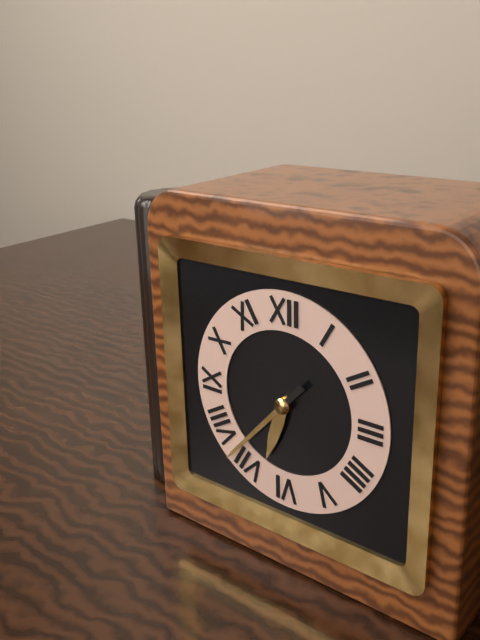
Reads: 6 h 37 min
